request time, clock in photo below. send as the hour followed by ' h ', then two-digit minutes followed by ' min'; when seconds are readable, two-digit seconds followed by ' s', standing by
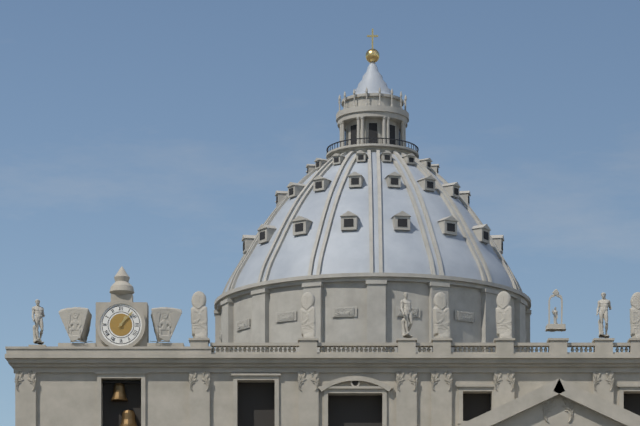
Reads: 1 h 07 min
